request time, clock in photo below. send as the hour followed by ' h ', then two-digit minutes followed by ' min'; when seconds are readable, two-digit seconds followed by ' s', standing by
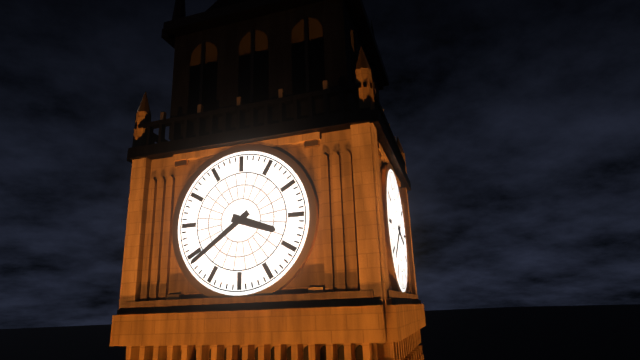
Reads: 3 h 39 min
